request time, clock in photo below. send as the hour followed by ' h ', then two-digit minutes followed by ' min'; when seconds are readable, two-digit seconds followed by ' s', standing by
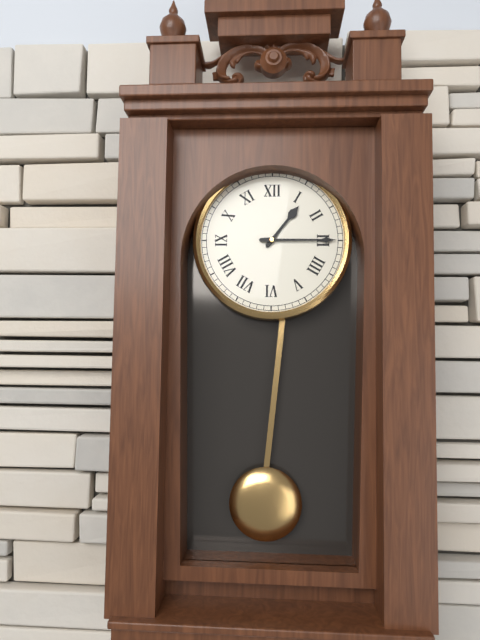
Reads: 1 h 15 min
